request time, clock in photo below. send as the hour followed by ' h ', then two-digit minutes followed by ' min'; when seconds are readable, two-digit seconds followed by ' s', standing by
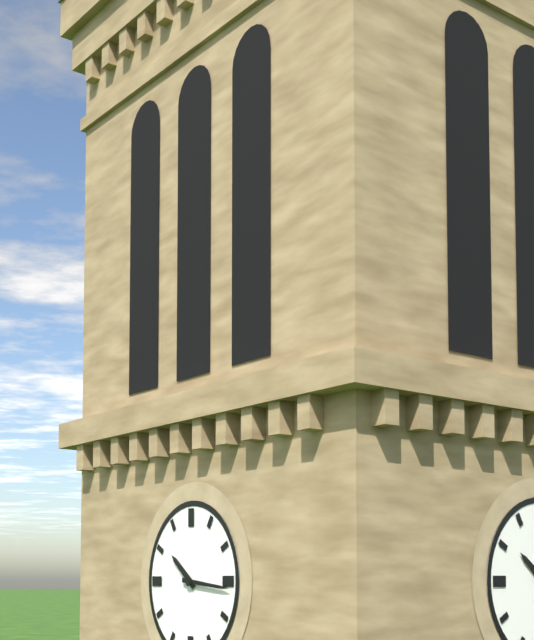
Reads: 10 h 16 min
